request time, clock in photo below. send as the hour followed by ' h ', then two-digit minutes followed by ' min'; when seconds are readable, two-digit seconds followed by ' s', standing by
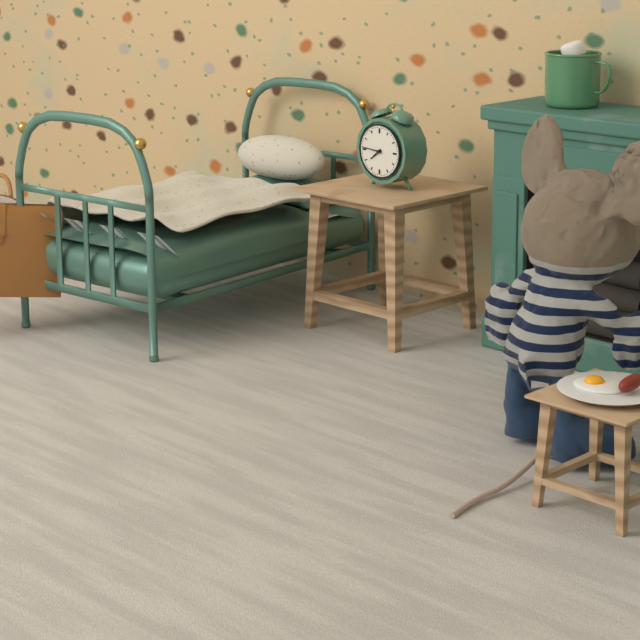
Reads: 7 h 46 min
